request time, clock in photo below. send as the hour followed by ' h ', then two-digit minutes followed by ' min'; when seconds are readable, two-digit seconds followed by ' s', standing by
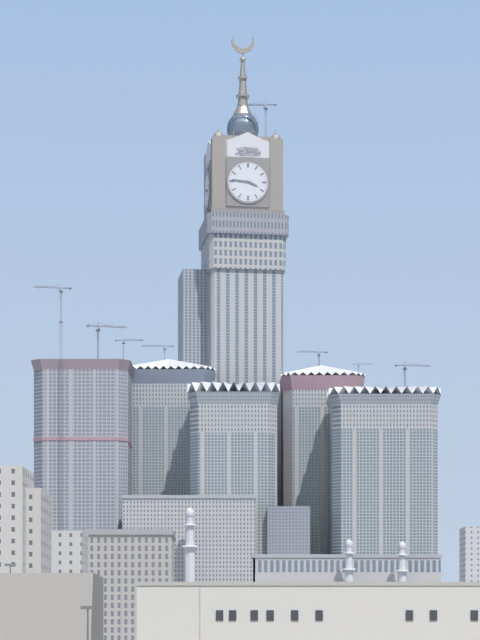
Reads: 3 h 46 min
